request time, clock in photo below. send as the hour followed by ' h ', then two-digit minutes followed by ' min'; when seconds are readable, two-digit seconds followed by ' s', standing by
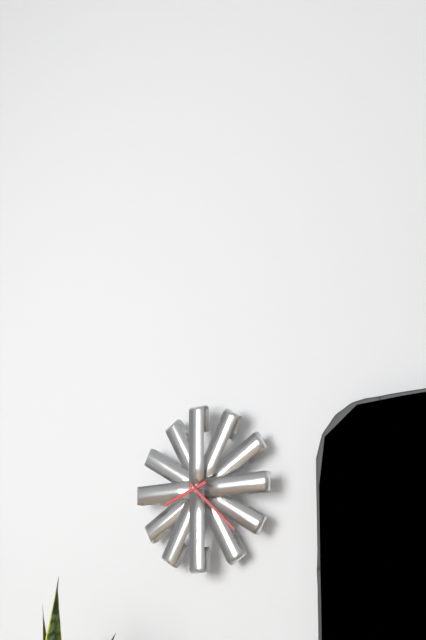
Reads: 8 h 22 min
